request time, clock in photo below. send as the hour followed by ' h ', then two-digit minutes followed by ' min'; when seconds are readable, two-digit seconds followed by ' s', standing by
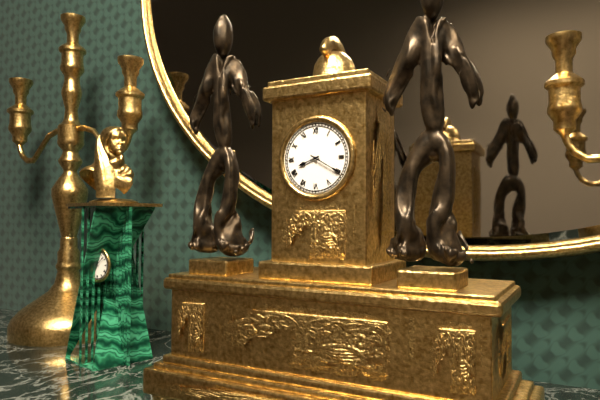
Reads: 8 h 20 min
